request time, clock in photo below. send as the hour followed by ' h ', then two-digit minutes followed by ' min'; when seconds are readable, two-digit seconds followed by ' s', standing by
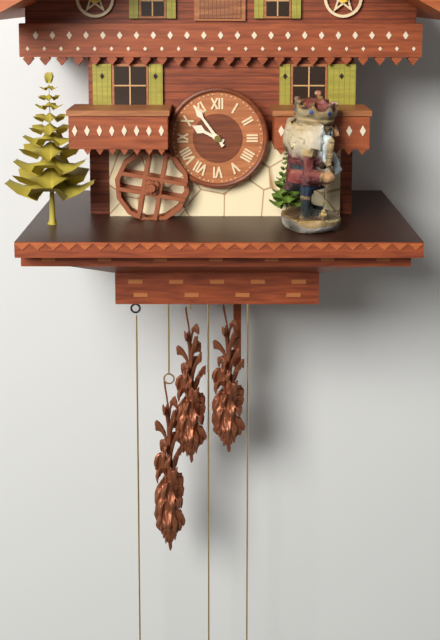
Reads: 9 h 54 min
